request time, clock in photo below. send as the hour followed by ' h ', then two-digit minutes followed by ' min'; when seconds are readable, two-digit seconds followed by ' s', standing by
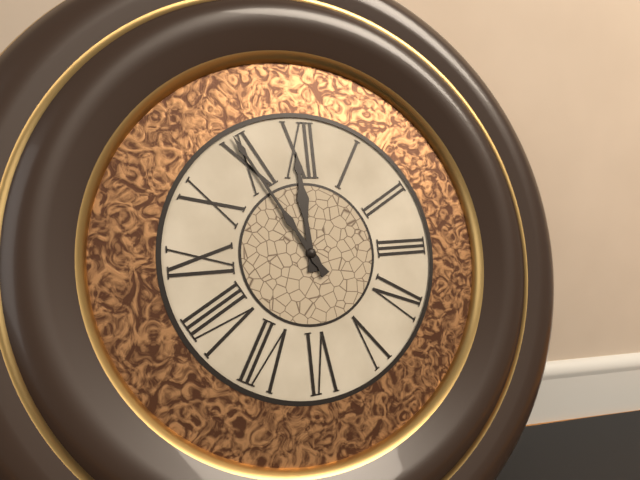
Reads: 11 h 55 min
